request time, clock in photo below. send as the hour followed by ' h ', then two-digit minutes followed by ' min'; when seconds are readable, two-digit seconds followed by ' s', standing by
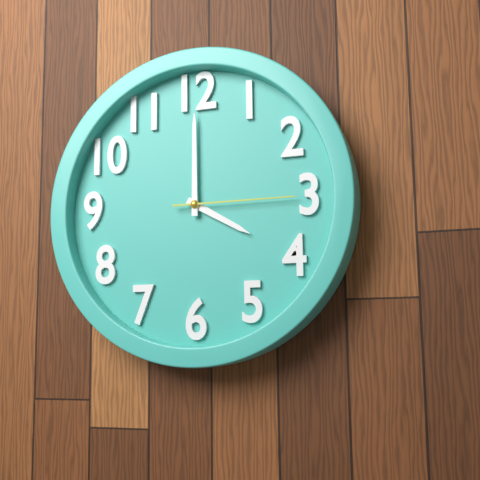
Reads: 4 h 00 min 15 s
